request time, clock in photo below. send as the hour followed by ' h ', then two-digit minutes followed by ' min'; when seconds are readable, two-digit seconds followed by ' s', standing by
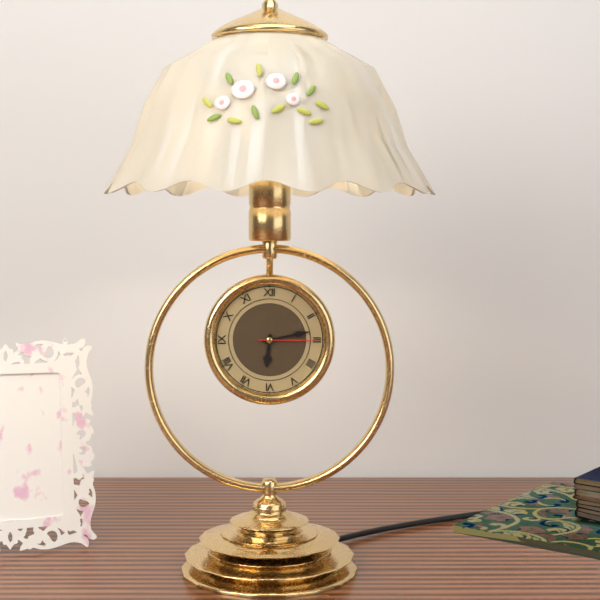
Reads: 6 h 13 min 15 s
